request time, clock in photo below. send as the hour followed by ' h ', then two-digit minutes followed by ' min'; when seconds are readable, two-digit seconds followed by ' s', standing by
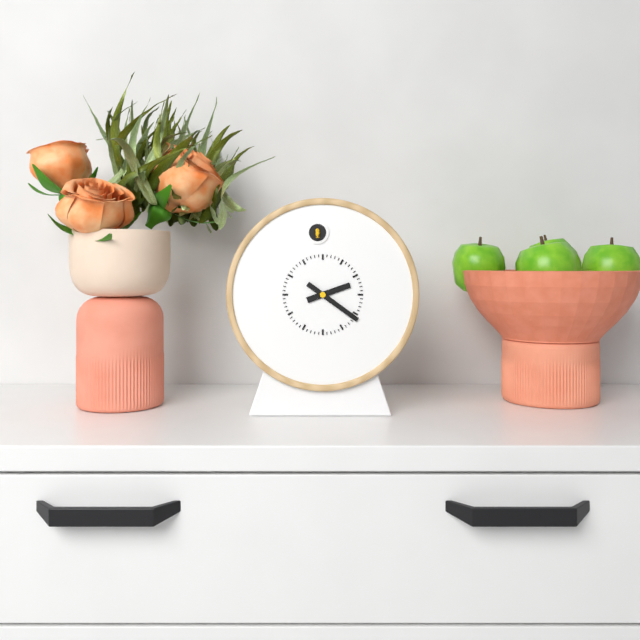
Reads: 2 h 21 min
